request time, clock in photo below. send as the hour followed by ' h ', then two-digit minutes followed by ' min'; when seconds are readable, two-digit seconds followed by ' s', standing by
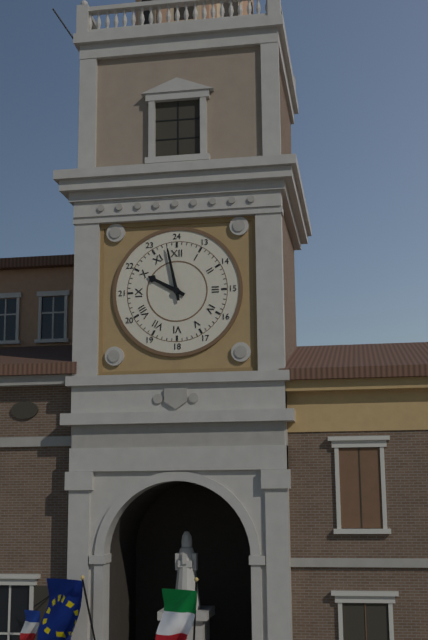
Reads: 9 h 58 min
